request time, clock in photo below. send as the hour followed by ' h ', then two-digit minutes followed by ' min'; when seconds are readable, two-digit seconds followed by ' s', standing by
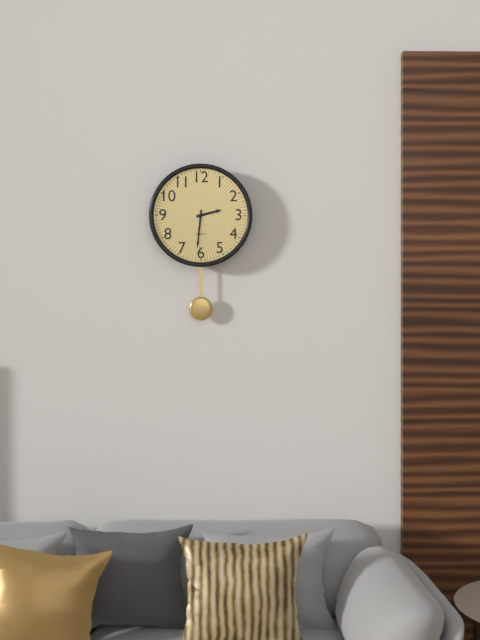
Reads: 2 h 31 min
